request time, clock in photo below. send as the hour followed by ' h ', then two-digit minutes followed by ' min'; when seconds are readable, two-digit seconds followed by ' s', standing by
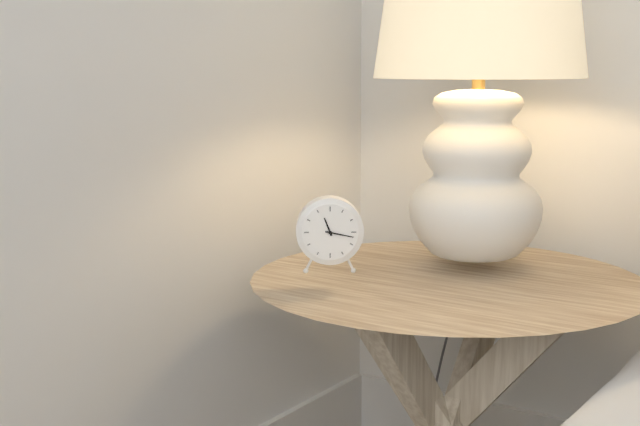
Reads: 11 h 17 min
